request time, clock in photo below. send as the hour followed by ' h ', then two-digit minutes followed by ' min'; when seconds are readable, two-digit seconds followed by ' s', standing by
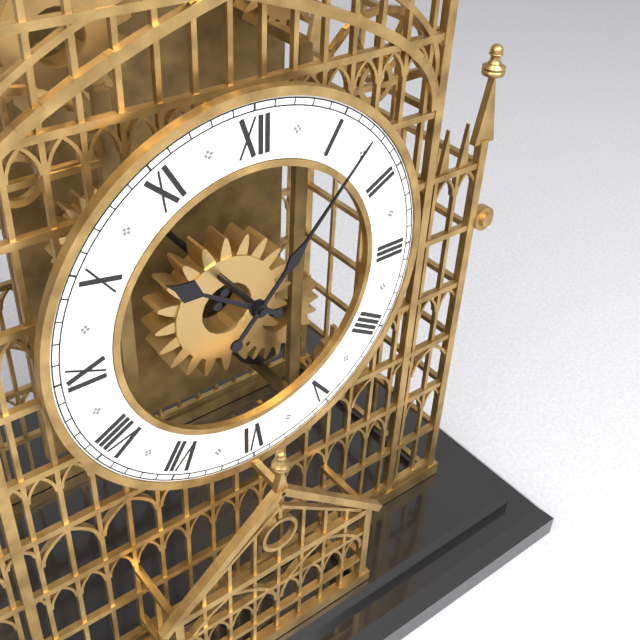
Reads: 10 h 07 min
